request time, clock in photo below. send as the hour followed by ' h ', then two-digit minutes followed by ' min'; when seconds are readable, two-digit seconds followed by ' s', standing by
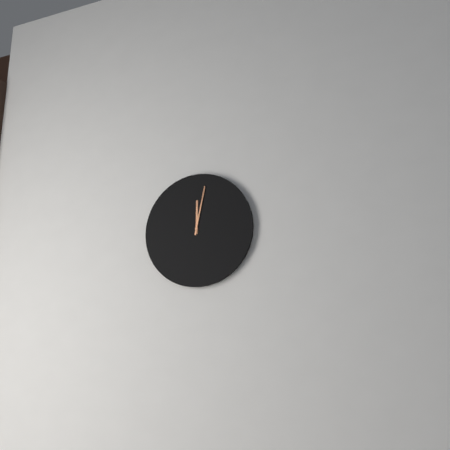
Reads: 12 h 02 min
